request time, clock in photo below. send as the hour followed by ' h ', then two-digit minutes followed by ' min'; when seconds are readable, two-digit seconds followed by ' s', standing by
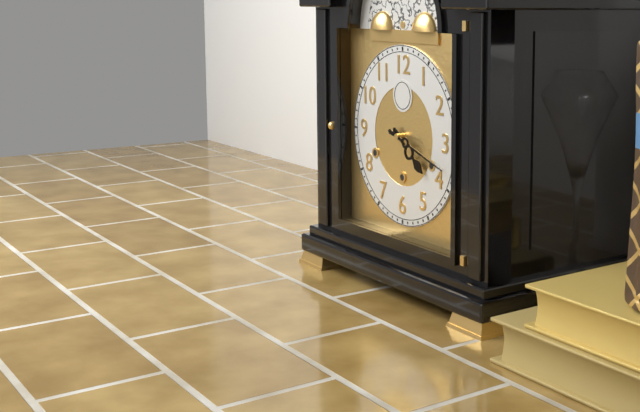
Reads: 4 h 18 min
